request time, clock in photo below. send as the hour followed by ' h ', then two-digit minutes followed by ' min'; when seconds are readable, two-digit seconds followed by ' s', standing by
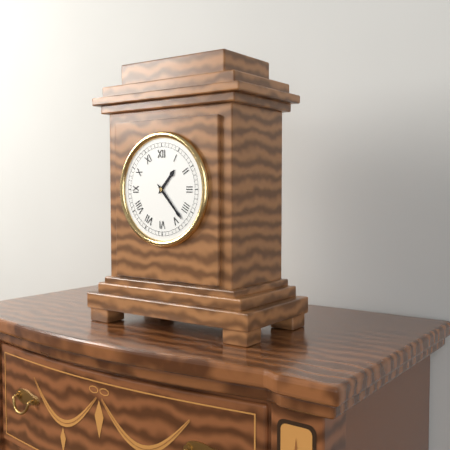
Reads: 1 h 23 min
